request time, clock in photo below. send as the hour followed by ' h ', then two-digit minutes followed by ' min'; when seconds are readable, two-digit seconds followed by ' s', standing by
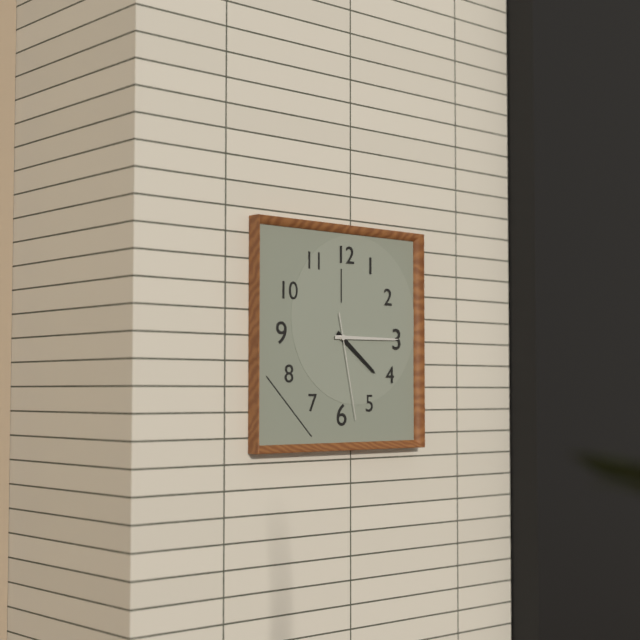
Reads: 4 h 15 min 28 s
